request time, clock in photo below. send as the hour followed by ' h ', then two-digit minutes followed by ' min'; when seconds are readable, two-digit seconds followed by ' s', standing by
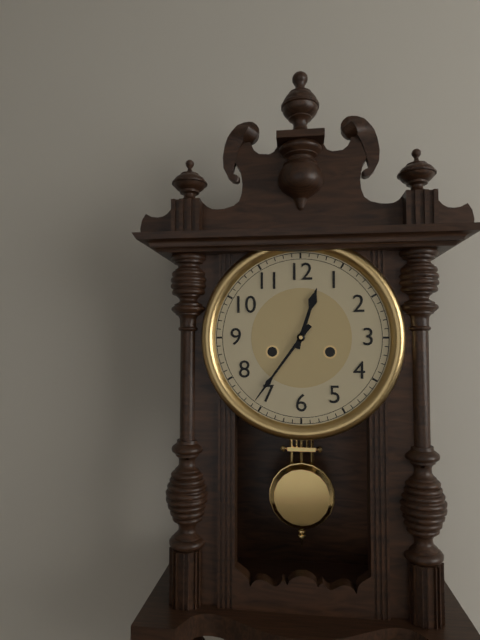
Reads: 12 h 36 min
